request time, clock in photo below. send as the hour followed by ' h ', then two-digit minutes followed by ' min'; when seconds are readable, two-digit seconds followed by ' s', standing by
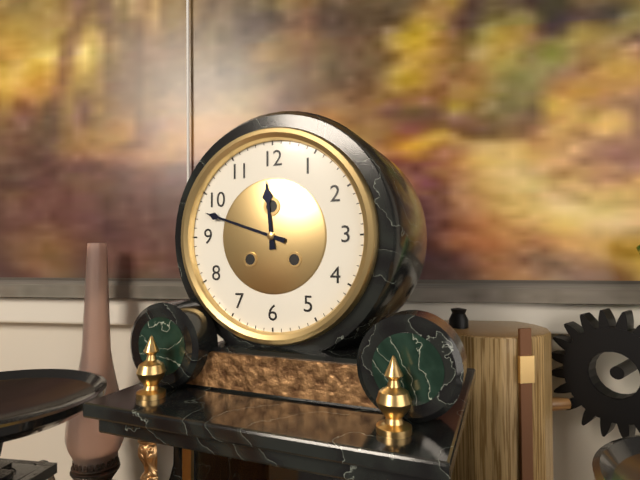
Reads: 11 h 48 min
